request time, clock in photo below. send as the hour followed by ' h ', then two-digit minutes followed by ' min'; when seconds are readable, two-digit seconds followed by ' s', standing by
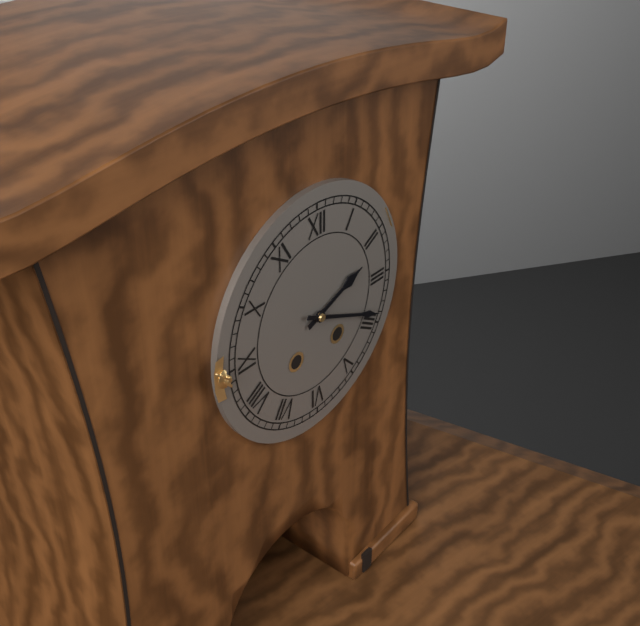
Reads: 2 h 19 min
